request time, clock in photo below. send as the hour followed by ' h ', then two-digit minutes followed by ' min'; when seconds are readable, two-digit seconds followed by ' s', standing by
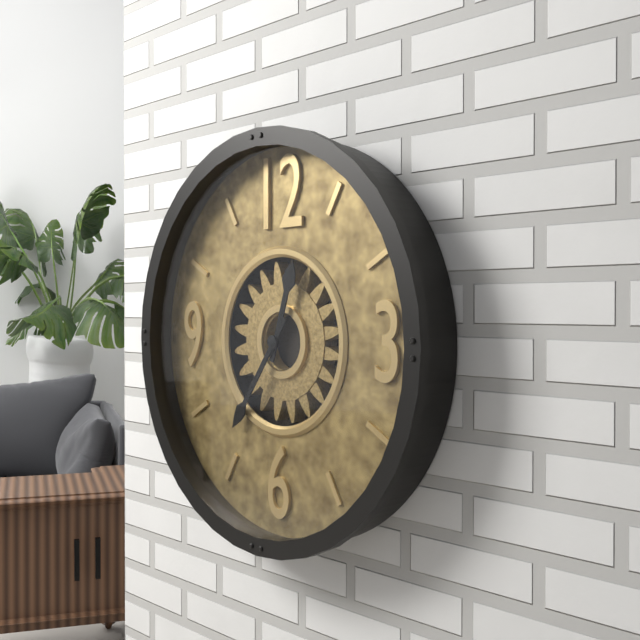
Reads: 12 h 36 min
